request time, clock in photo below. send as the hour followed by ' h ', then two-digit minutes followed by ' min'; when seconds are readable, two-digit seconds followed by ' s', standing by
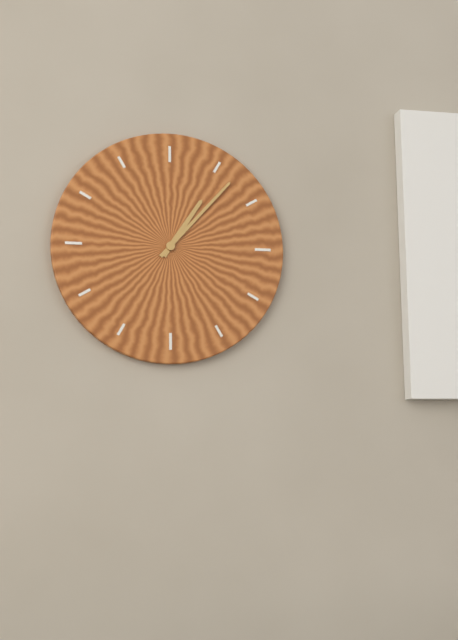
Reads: 1 h 07 min
